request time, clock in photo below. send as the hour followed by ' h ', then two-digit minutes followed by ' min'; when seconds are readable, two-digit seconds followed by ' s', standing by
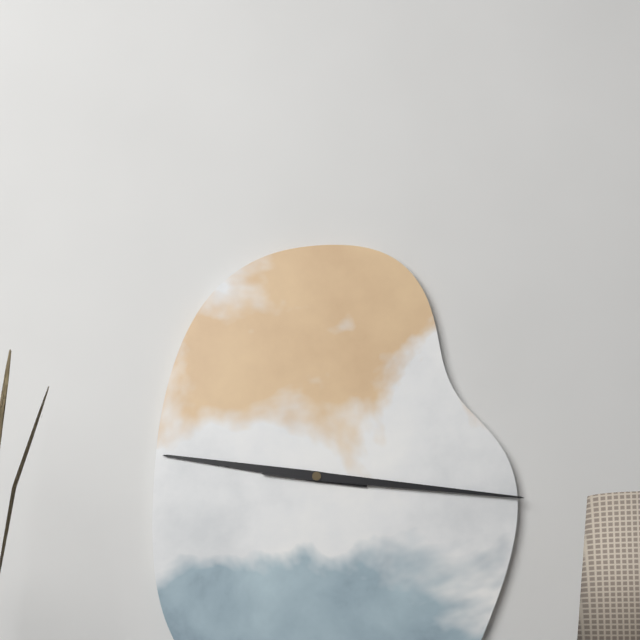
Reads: 9 h 16 min
